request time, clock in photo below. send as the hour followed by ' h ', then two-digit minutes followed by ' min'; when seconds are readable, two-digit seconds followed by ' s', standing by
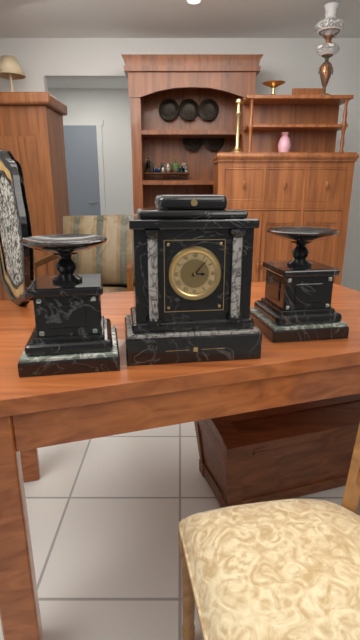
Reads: 3 h 07 min
